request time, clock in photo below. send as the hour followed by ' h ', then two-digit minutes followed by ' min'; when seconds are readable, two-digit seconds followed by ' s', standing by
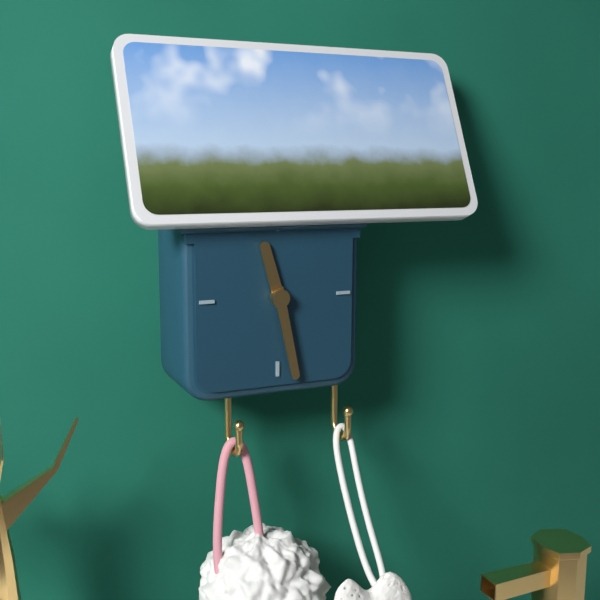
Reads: 11 h 28 min
